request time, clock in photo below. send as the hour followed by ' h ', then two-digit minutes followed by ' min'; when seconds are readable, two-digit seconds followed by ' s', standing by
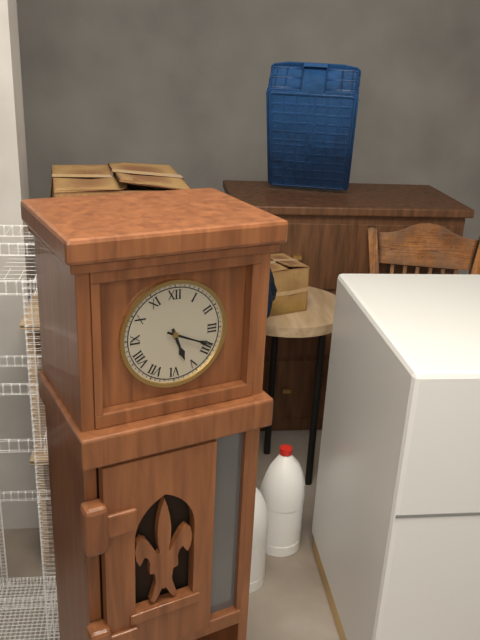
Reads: 5 h 19 min
